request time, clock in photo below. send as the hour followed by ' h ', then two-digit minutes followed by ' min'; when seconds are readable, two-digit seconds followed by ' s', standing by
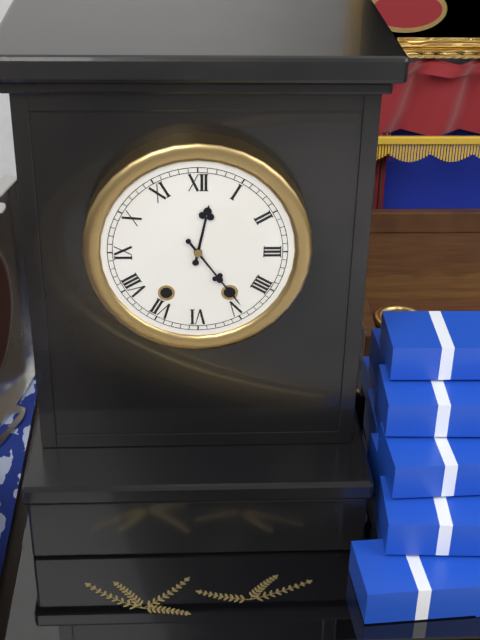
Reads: 12 h 24 min
